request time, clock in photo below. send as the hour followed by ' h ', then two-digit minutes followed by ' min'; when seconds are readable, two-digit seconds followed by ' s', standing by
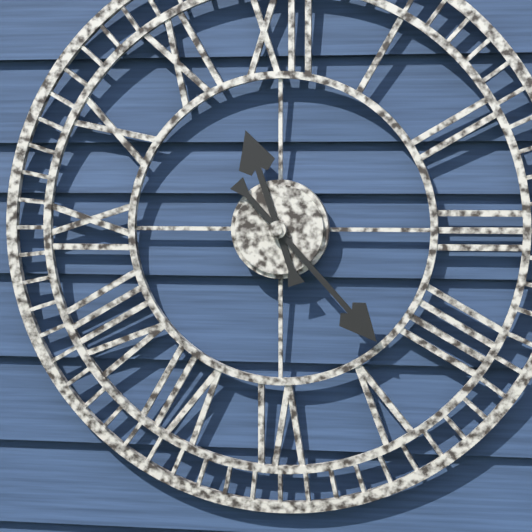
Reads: 11 h 23 min
